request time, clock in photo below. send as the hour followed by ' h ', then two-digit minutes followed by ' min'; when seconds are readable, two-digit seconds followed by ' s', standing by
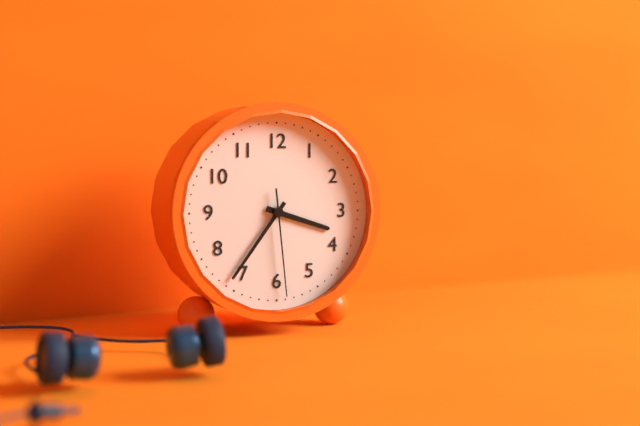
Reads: 3 h 36 min 29 s
